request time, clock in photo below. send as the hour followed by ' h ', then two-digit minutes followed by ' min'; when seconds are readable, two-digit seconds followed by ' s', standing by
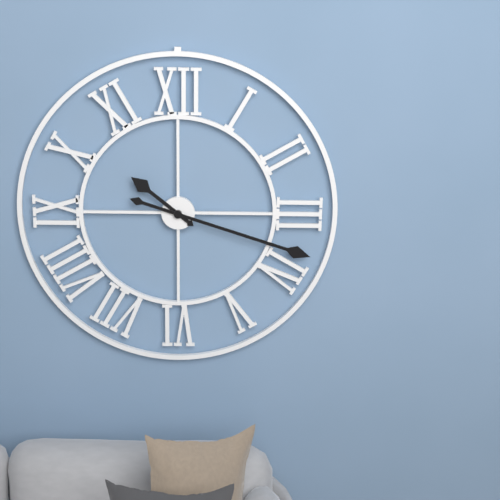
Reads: 10 h 18 min
